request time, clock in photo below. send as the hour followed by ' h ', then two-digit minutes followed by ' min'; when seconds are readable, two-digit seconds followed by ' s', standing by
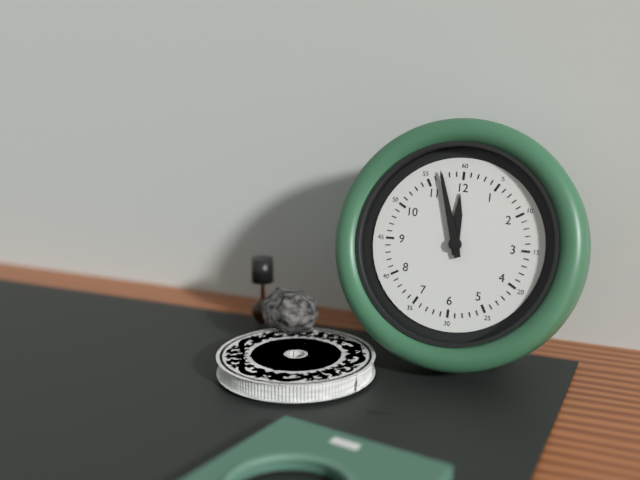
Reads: 11 h 57 min
